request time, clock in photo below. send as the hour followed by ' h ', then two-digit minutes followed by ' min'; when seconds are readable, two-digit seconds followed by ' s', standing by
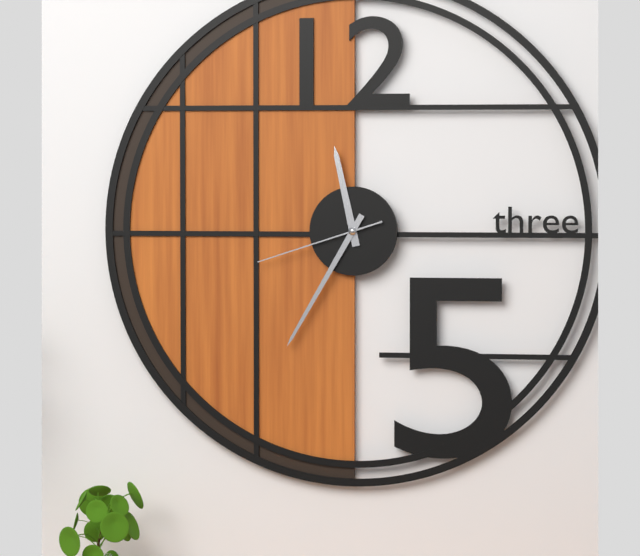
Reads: 11 h 35 min 42 s
